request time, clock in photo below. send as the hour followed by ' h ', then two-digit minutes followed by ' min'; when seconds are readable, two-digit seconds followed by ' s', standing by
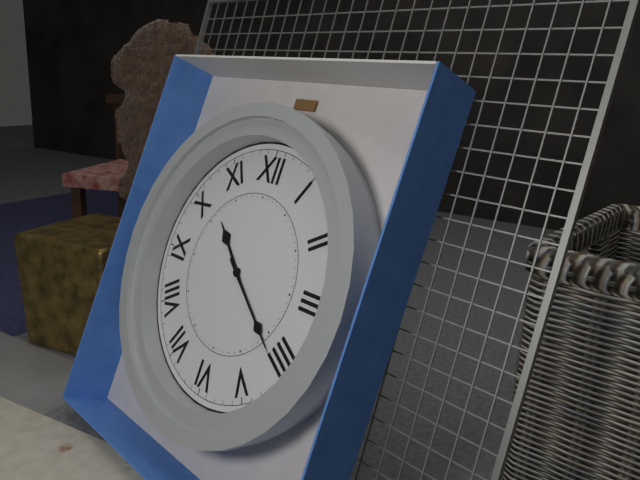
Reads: 10 h 21 min
